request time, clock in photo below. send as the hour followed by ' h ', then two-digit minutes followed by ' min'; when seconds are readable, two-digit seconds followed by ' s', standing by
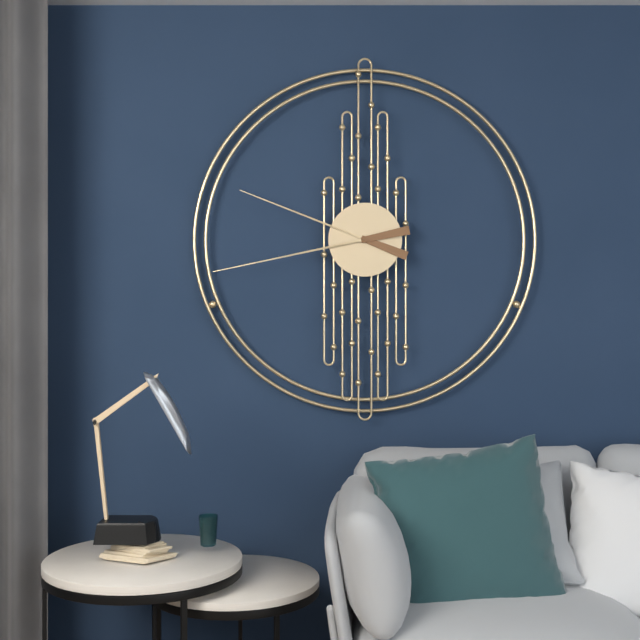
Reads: 9 h 43 min
